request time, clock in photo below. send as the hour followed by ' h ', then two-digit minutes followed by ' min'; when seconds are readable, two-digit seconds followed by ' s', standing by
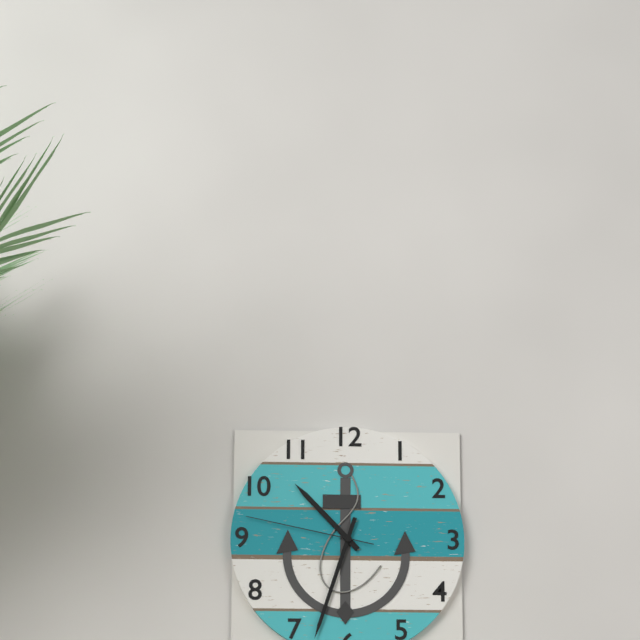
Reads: 10 h 33 min 47 s
